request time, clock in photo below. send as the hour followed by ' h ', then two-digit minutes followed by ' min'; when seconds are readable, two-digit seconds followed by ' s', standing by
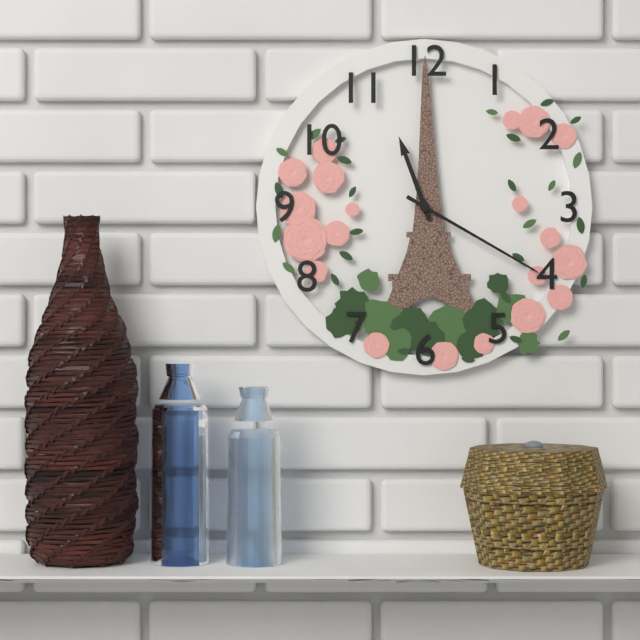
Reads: 11 h 20 min
